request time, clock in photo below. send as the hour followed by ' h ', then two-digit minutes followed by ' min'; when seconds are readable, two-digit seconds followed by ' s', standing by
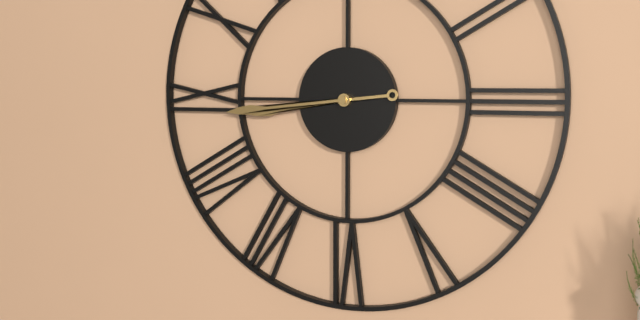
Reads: 8 h 44 min
